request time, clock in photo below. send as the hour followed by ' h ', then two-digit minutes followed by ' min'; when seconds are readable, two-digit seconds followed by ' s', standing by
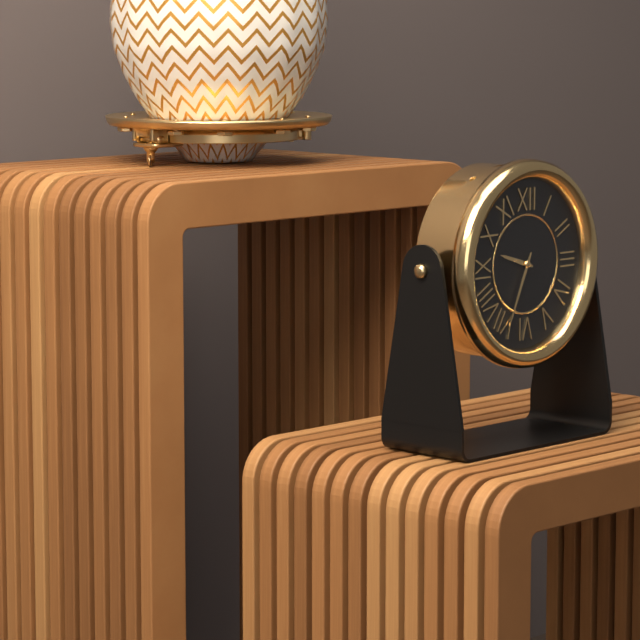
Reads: 9 h 34 min
